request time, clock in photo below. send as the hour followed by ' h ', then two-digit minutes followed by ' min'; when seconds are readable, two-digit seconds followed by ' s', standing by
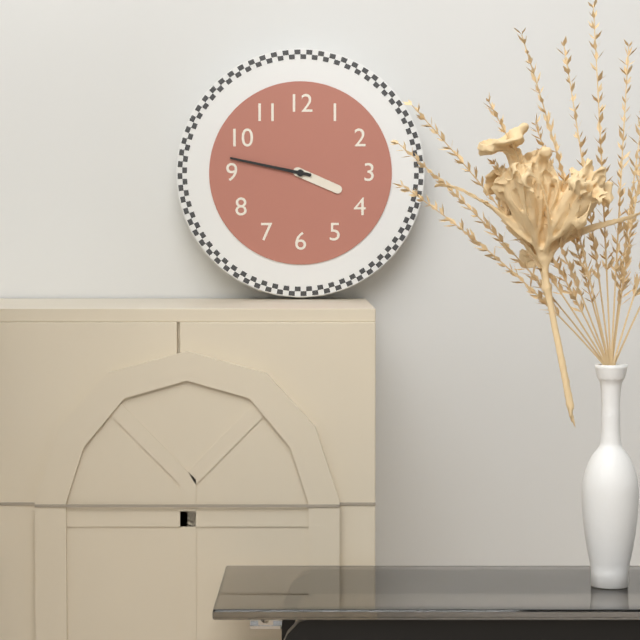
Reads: 3 h 47 min
